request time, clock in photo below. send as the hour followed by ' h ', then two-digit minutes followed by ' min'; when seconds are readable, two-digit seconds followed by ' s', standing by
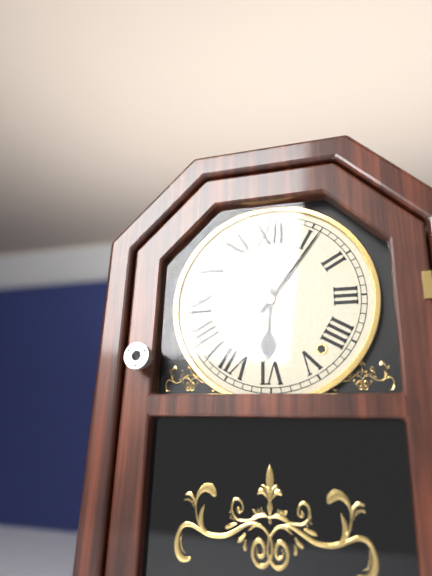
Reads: 6 h 06 min
